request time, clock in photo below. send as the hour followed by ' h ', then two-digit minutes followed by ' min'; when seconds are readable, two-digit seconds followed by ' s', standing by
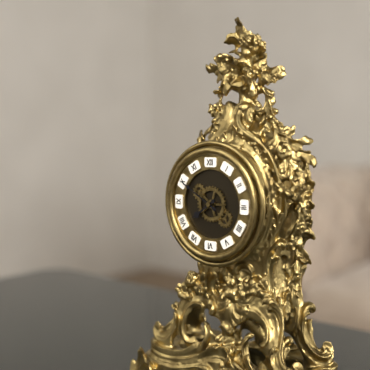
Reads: 7 h 50 min
